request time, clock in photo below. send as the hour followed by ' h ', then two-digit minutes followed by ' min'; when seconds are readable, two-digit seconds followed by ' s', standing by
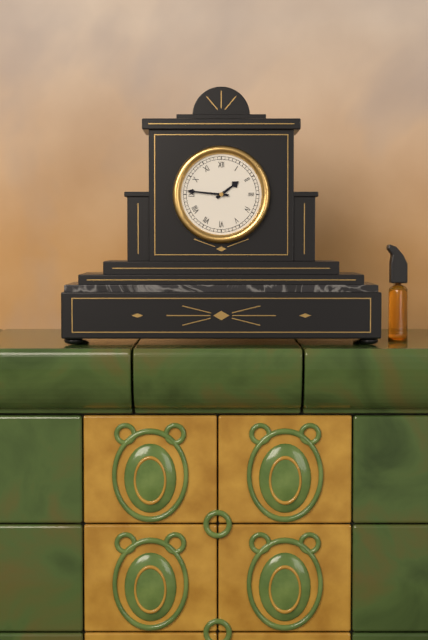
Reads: 1 h 46 min
